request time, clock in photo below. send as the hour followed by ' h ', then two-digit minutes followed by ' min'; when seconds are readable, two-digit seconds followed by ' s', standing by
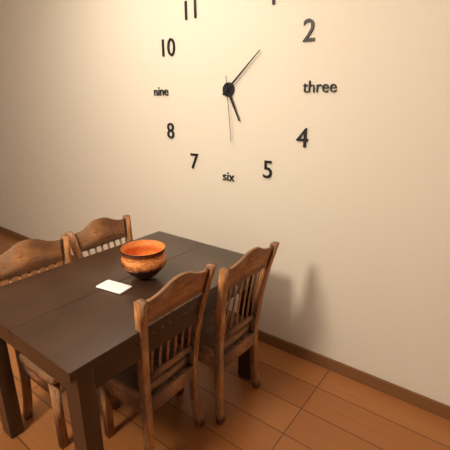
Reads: 5 h 08 min 29 s
